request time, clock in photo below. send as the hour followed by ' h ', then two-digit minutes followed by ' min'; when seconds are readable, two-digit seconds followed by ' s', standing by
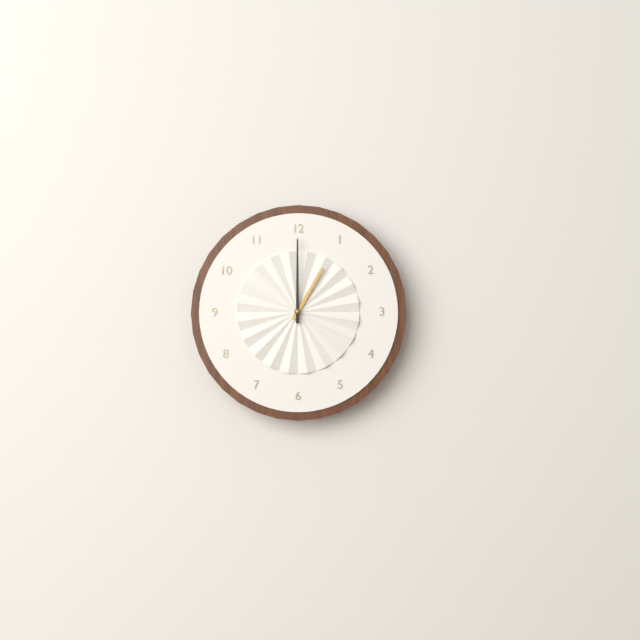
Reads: 1 h 00 min
